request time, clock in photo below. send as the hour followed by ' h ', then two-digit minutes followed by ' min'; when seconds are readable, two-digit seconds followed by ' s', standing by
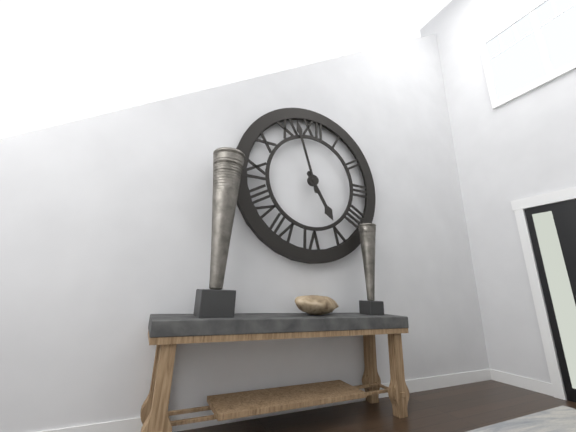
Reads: 4 h 57 min
